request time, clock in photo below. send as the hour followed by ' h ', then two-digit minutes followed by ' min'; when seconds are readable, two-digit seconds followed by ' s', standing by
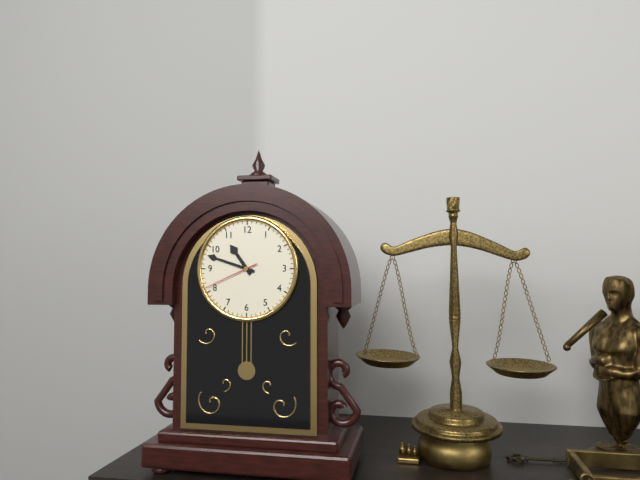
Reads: 10 h 48 min 41 s
